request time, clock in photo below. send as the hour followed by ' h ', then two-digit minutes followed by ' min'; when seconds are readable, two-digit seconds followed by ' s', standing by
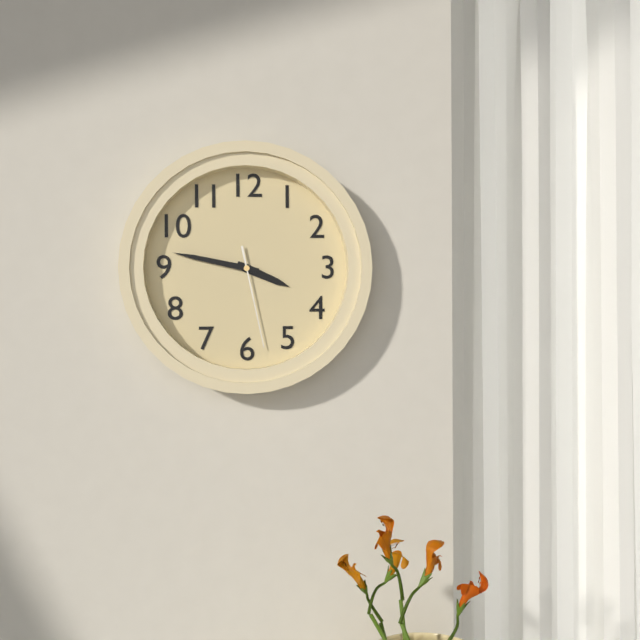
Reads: 3 h 47 min 28 s
